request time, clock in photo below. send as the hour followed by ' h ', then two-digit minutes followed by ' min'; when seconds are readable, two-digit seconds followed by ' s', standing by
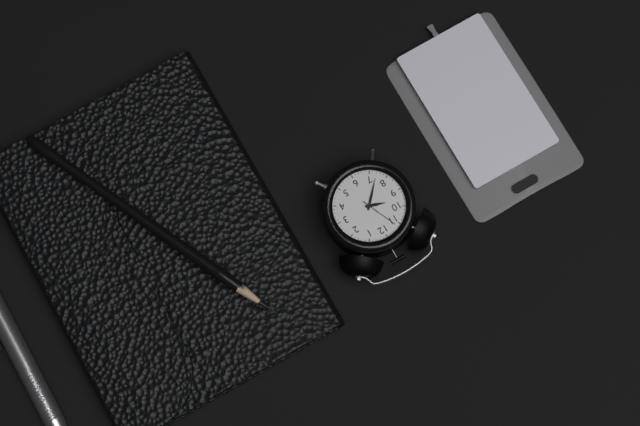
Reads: 9 h 37 min
